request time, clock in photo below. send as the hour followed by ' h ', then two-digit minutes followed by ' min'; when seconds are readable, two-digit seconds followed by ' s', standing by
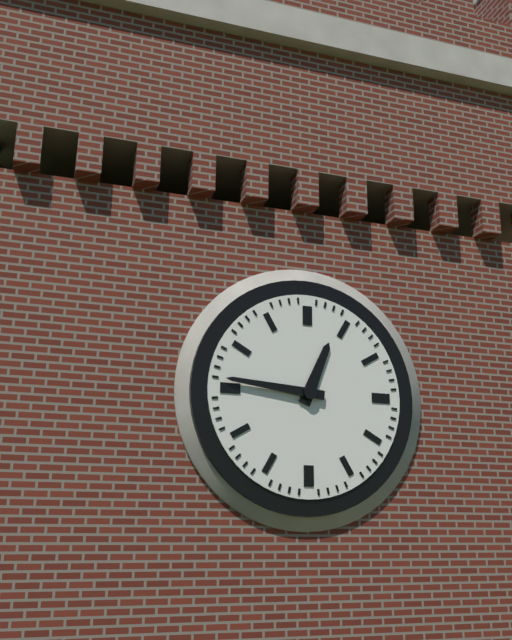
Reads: 12 h 46 min
